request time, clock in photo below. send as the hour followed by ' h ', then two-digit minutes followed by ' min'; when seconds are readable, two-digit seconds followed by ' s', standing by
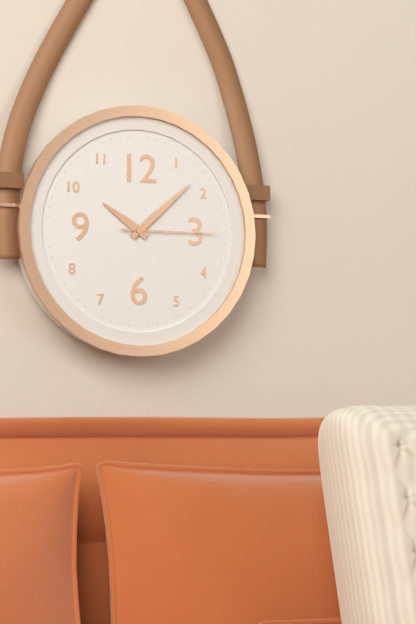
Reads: 10 h 08 min 15 s
